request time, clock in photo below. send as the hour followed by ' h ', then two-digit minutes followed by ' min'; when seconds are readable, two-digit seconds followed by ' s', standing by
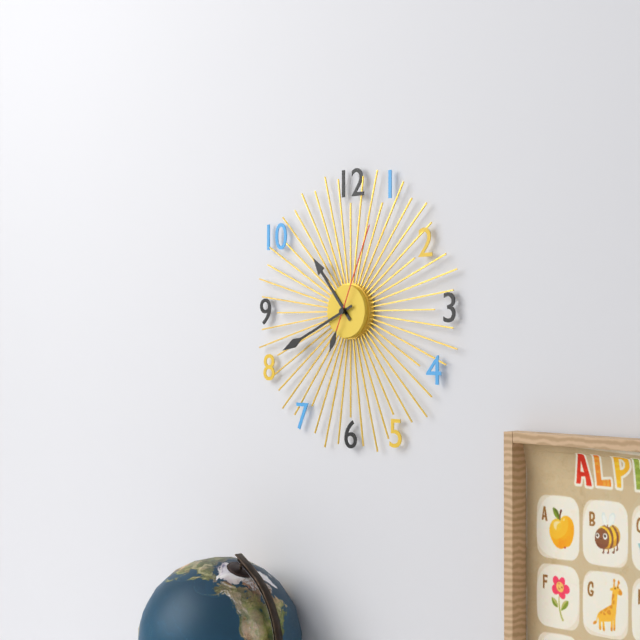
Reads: 10 h 41 min 04 s
